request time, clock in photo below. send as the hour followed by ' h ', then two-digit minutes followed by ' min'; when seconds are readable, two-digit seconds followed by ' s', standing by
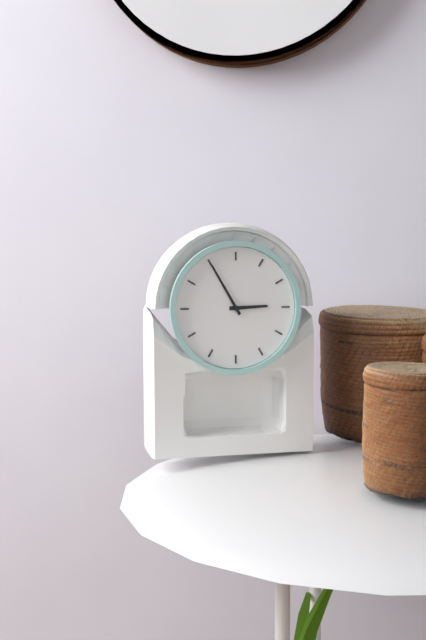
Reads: 2 h 55 min
